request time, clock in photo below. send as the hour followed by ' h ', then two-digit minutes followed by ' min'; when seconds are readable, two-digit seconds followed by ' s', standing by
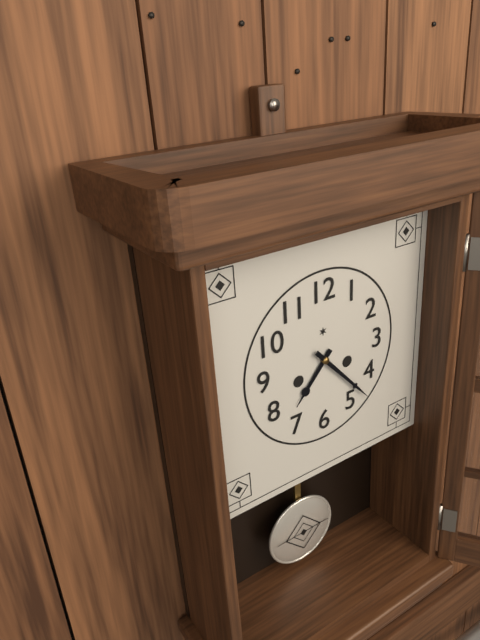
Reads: 7 h 23 min
